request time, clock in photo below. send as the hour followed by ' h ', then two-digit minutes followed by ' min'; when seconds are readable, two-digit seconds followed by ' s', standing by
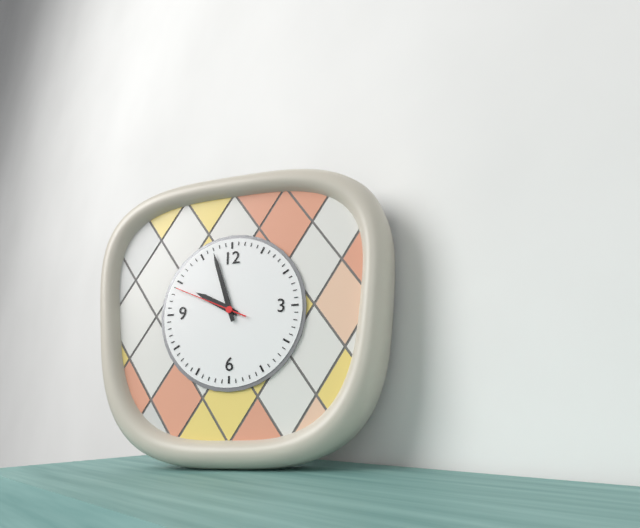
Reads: 9 h 57 min 49 s
